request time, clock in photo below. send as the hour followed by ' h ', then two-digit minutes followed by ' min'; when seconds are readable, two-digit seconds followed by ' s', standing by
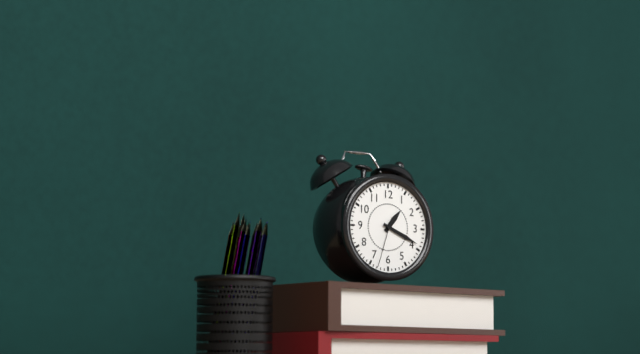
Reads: 1 h 19 min 33 s
